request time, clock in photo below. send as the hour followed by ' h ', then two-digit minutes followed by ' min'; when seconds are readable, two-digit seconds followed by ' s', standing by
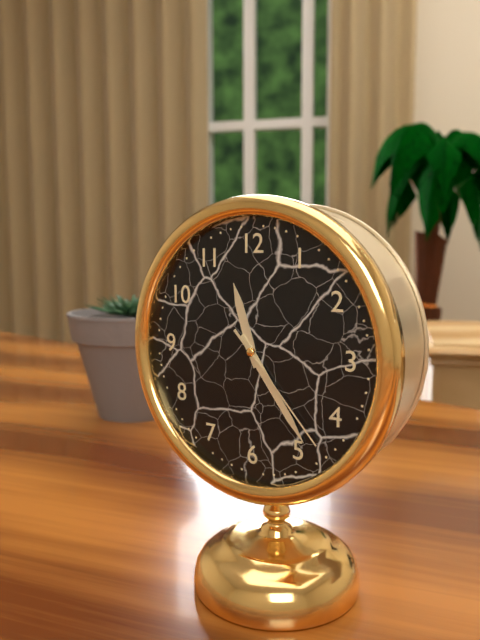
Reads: 11 h 24 min 23 s
